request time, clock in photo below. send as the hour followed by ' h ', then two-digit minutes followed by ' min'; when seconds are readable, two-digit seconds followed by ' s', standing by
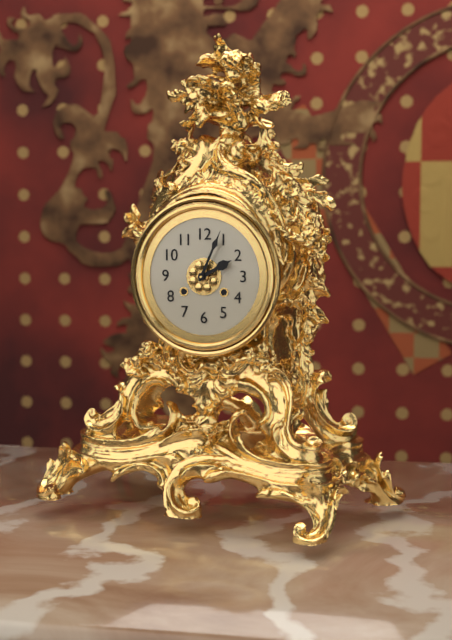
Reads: 2 h 04 min
